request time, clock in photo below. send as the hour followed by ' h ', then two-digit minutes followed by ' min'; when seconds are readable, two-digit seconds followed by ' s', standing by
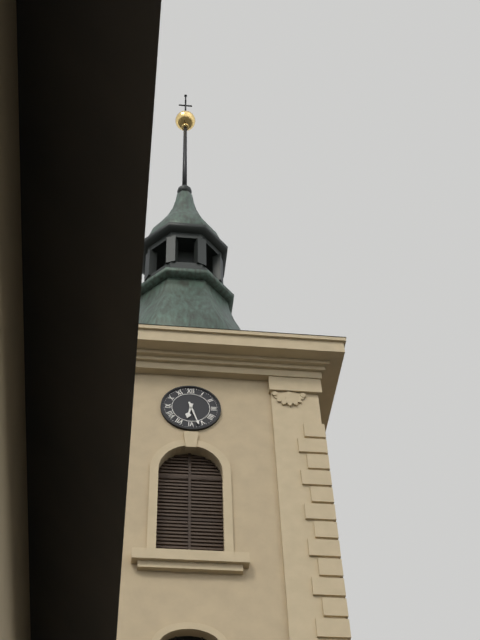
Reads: 6 h 27 min
